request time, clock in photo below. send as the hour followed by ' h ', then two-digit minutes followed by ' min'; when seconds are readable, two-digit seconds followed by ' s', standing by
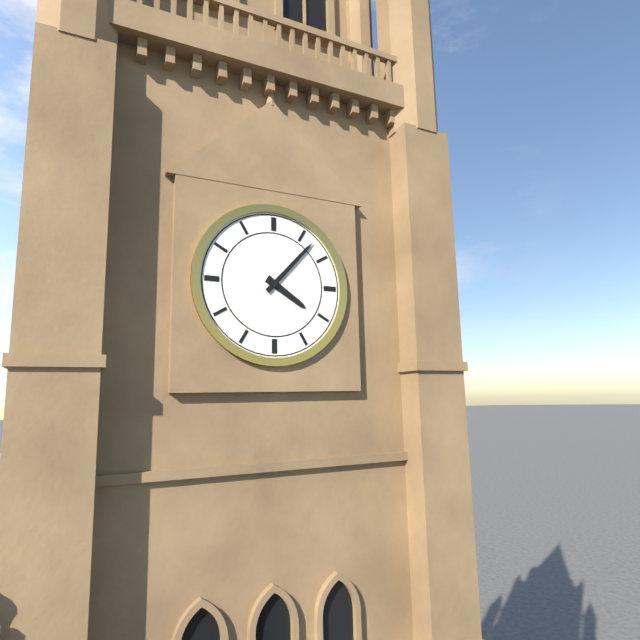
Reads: 4 h 07 min
